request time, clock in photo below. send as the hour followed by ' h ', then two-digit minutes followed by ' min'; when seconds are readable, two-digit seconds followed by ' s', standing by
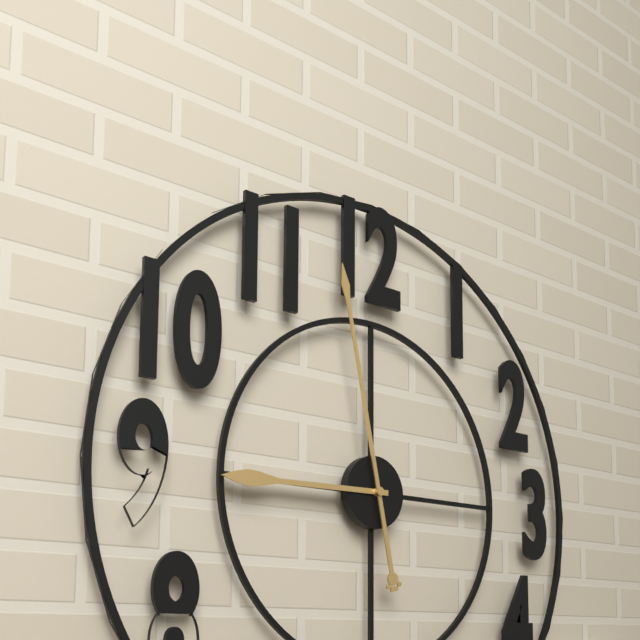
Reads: 8 h 58 min
